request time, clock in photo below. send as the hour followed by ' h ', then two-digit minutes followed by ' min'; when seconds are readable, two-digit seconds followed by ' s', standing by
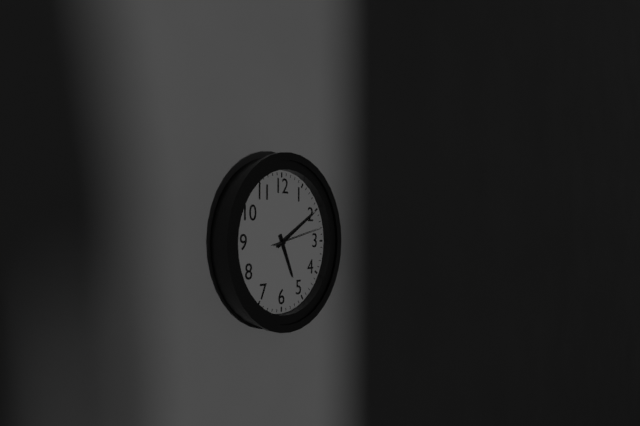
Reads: 5 h 10 min 13 s
